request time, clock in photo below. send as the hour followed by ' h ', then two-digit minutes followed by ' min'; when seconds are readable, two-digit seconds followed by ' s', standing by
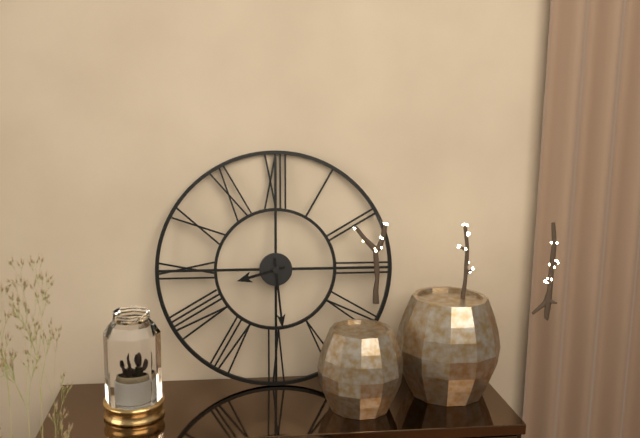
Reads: 8 h 29 min
